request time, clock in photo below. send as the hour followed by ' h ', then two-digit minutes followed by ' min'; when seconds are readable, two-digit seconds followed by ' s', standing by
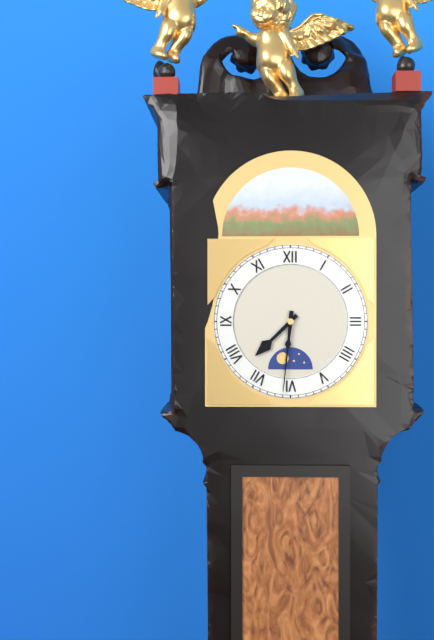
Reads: 7 h 31 min
